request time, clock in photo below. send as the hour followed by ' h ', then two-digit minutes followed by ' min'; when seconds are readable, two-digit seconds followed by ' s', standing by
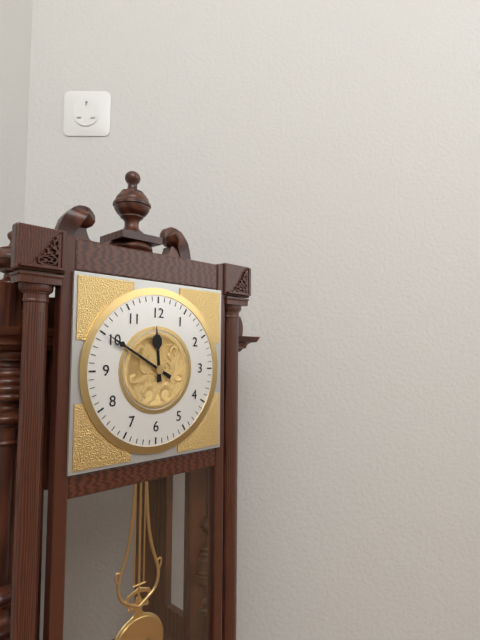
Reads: 11 h 50 min
